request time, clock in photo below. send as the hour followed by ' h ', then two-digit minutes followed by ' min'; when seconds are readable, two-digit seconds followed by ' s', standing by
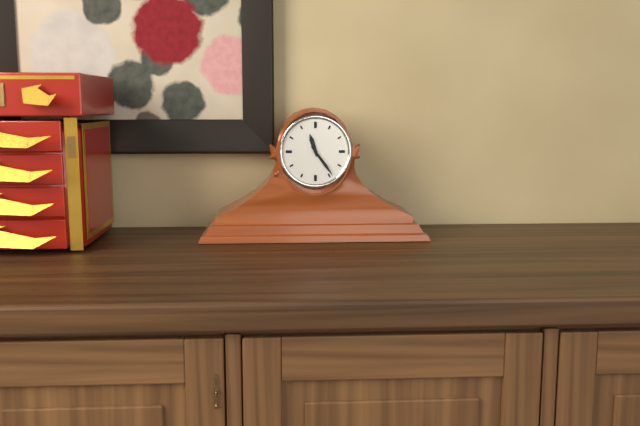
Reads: 11 h 24 min
